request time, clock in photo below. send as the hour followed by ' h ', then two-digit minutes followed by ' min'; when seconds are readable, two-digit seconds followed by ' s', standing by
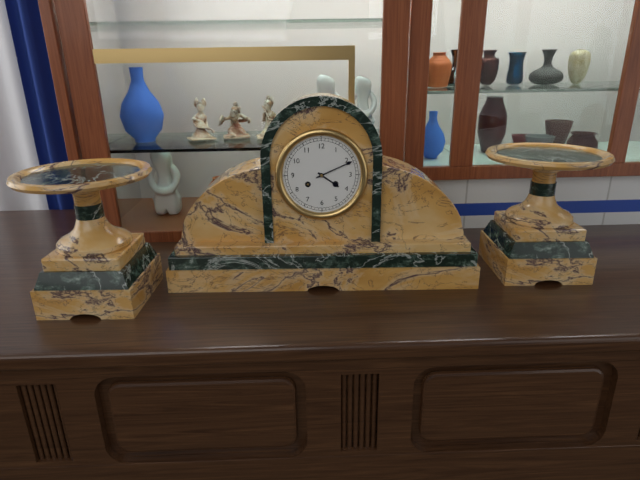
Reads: 4 h 11 min
